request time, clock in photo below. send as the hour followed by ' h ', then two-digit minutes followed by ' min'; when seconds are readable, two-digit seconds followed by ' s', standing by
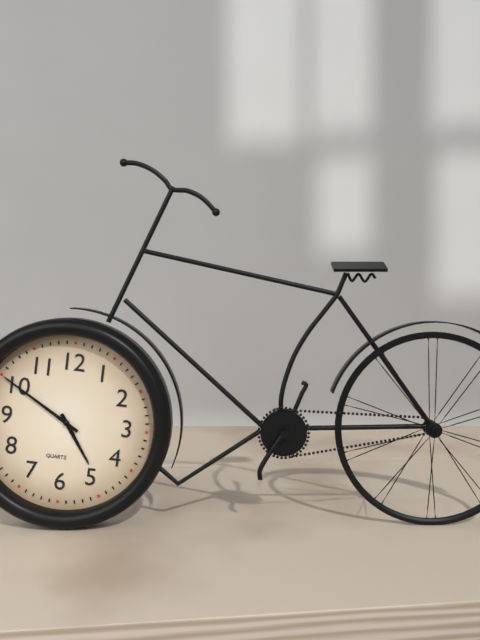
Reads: 4 h 50 min
